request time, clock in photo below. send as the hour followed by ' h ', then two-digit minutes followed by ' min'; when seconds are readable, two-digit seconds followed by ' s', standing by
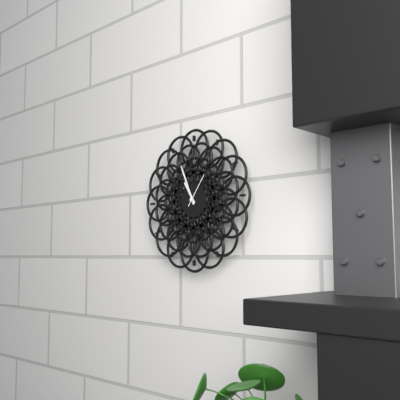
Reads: 10 h 56 min
